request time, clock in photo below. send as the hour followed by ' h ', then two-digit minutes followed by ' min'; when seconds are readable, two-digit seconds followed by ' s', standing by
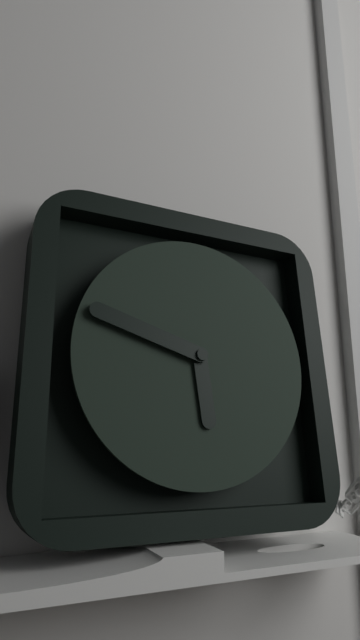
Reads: 5 h 48 min
